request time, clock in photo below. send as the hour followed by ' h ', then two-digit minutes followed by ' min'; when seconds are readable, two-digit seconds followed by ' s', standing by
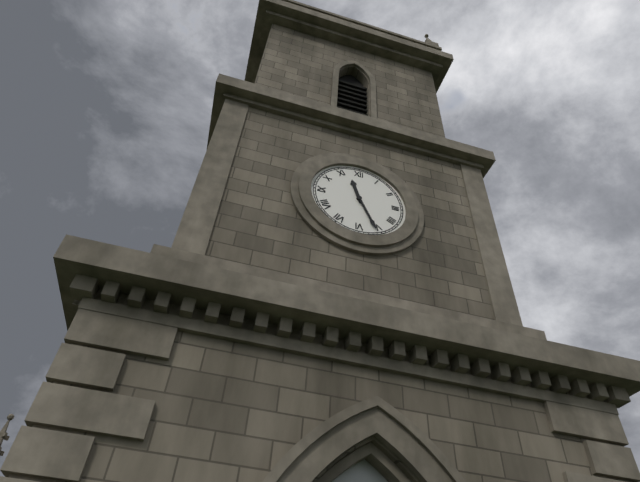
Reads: 11 h 26 min
